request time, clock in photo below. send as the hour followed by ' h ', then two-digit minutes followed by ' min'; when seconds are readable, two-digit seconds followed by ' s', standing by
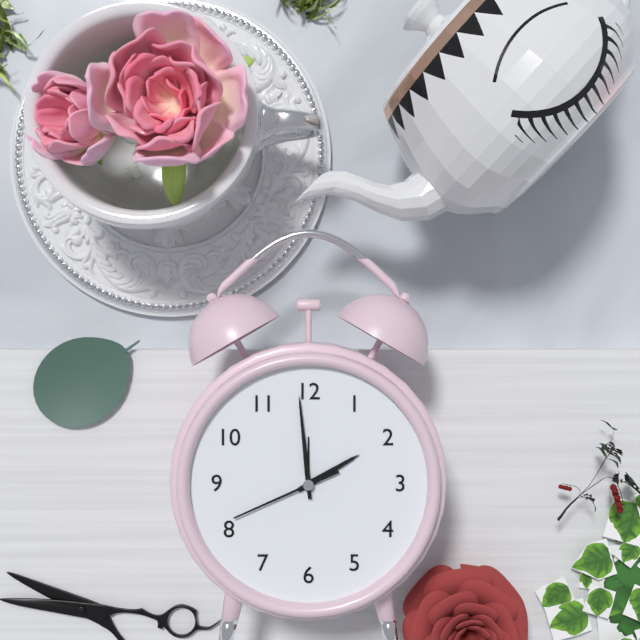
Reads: 1 h 59 min 41 s
